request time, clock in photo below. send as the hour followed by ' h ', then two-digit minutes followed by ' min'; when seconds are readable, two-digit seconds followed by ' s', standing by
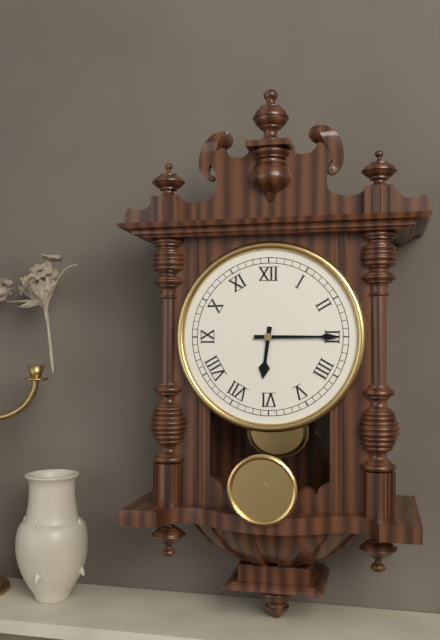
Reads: 6 h 15 min
